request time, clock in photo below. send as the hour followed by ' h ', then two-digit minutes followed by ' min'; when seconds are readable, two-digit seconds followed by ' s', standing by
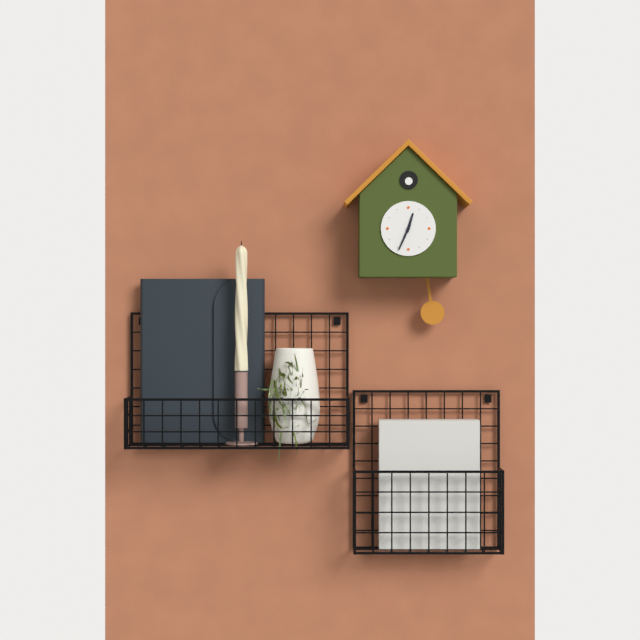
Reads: 12 h 34 min
